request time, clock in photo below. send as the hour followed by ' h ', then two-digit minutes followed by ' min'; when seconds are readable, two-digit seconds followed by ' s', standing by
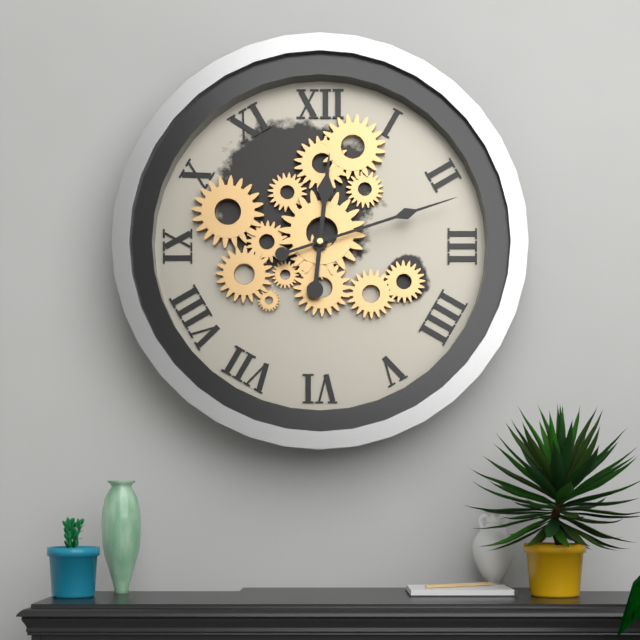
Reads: 12 h 12 min
